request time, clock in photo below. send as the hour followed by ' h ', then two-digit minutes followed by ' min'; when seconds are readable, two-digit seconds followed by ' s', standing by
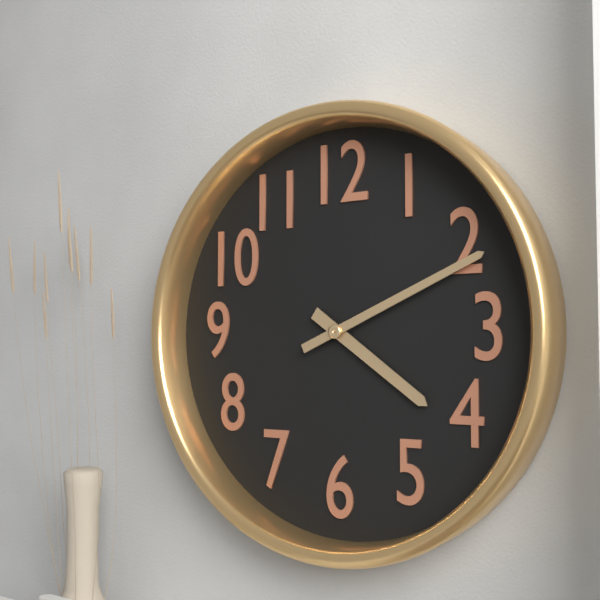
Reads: 4 h 11 min
